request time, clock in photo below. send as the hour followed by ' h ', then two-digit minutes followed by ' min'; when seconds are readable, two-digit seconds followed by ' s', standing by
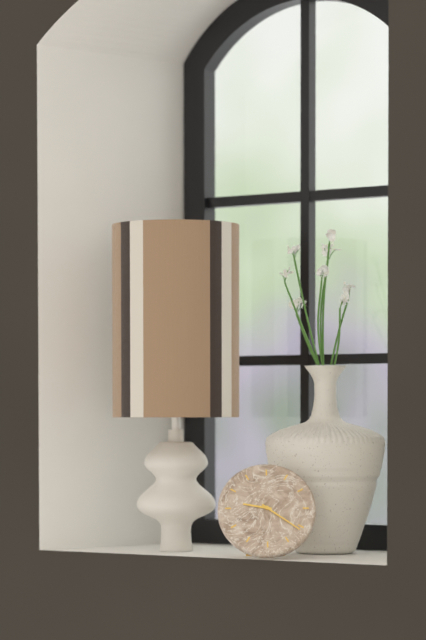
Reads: 9 h 21 min
